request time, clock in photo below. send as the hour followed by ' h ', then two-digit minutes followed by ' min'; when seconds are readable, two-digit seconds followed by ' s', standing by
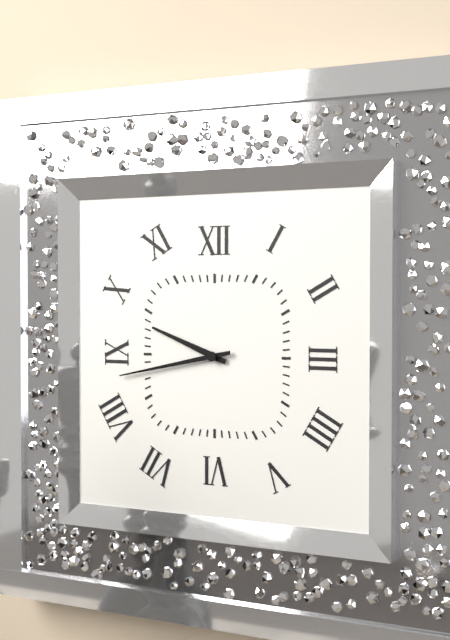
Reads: 9 h 43 min
